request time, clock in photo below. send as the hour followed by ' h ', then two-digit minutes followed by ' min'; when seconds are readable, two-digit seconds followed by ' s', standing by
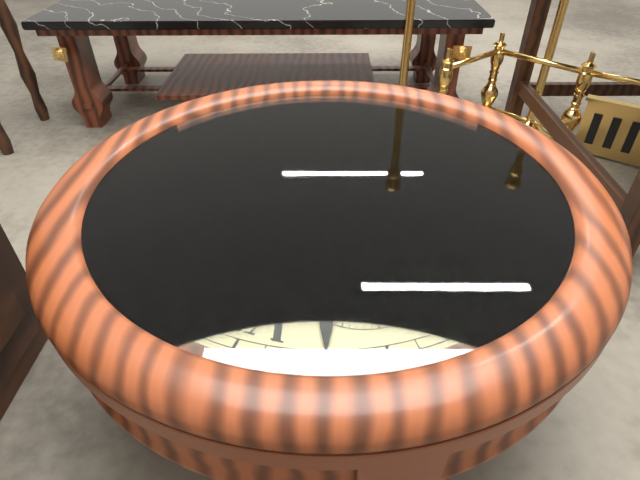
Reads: 1 h 32 min 11 s
